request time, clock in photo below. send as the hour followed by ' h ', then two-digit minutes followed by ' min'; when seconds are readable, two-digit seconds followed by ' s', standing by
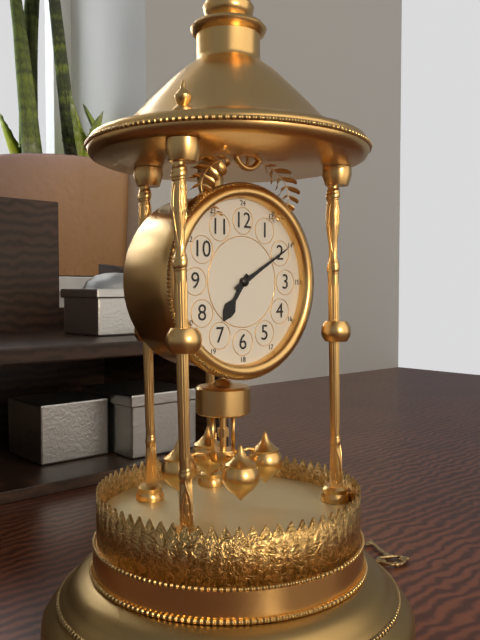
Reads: 7 h 10 min
